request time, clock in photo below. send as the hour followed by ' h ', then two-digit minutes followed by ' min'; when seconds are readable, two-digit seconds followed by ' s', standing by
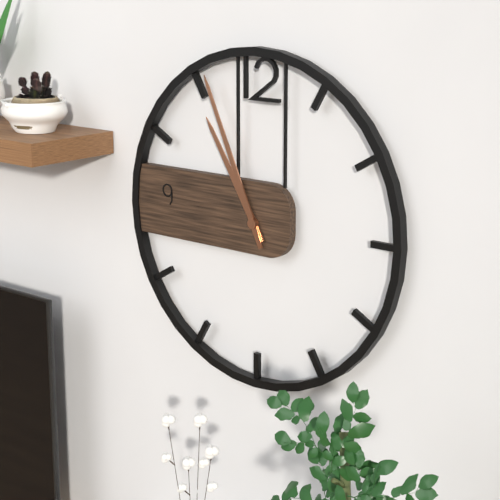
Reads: 10 h 56 min
